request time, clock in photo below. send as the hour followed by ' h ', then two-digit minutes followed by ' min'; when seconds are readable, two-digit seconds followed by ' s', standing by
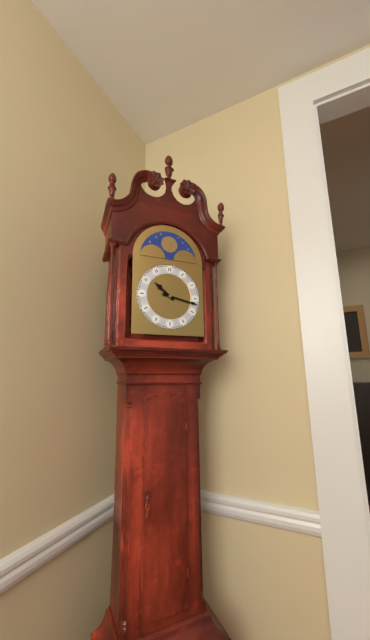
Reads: 10 h 17 min
